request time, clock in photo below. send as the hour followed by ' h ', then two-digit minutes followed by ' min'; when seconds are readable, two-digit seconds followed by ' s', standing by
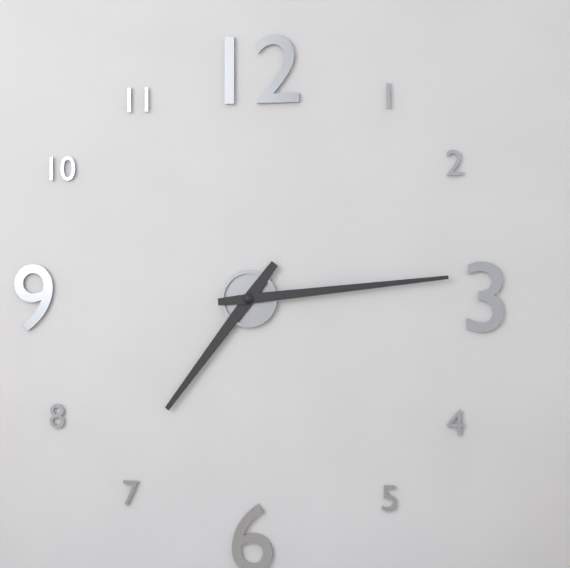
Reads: 7 h 14 min
